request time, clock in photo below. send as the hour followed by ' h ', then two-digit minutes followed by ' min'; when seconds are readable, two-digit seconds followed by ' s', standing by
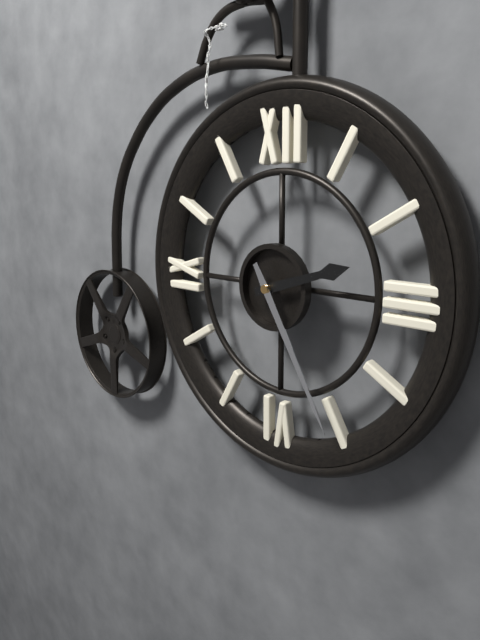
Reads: 2 h 25 min
